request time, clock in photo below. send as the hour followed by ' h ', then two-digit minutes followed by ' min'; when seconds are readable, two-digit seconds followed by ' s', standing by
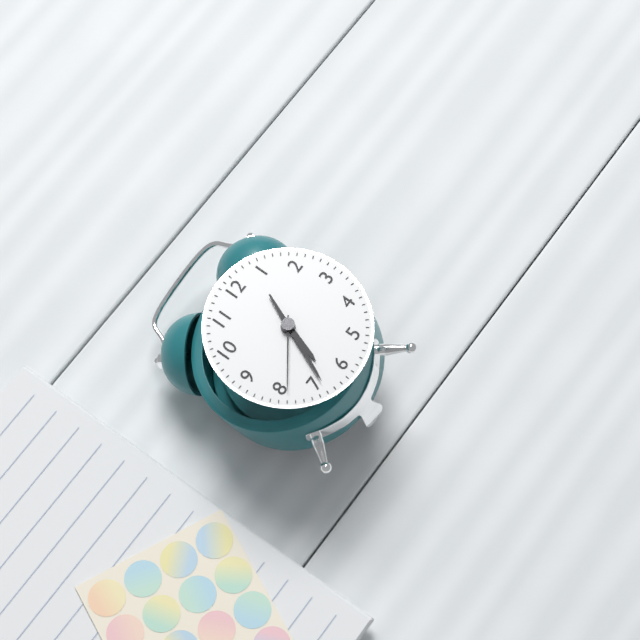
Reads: 6 h 34 min 39 s
